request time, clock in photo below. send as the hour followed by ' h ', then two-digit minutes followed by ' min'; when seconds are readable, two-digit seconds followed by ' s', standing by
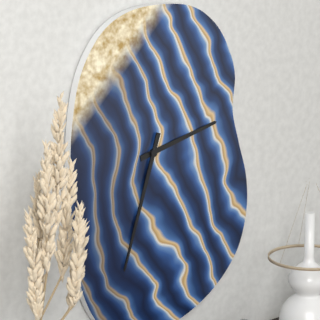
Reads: 2 h 33 min
